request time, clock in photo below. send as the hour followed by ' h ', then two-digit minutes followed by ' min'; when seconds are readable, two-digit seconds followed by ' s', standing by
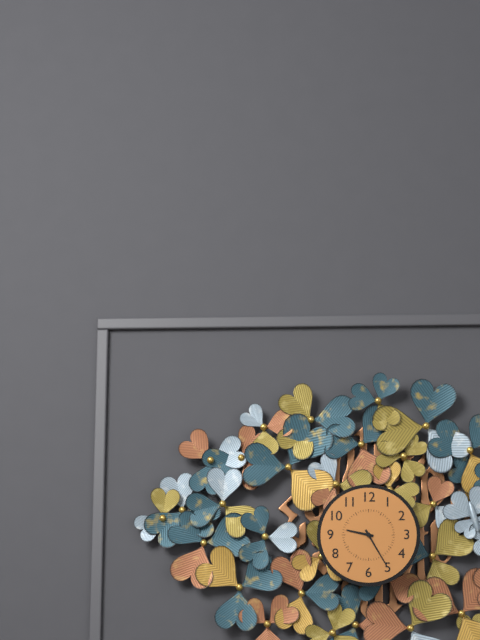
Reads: 9 h 25 min
